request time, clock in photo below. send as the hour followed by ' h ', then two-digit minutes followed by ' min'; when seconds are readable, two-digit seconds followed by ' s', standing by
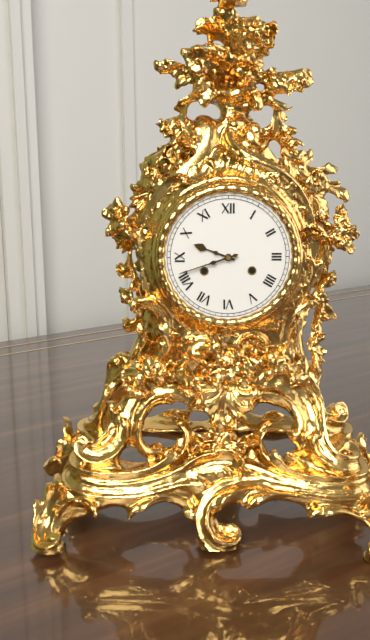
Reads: 9 h 42 min
